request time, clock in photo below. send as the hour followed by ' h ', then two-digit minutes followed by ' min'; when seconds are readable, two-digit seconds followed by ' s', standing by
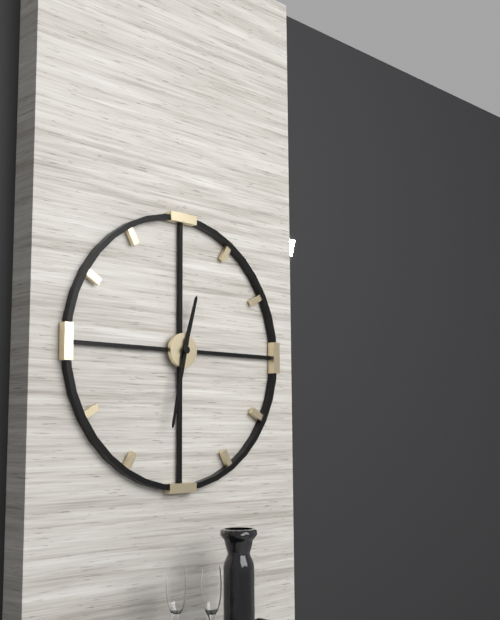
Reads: 12 h 32 min
